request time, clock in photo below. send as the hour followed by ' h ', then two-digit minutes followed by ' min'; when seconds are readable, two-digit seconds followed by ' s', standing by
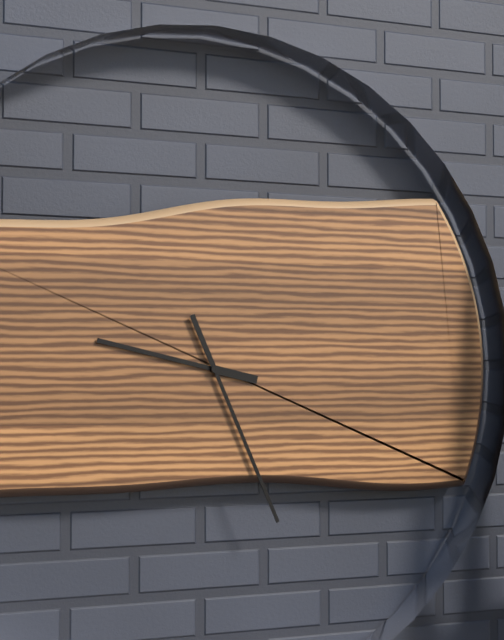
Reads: 9 h 26 min
